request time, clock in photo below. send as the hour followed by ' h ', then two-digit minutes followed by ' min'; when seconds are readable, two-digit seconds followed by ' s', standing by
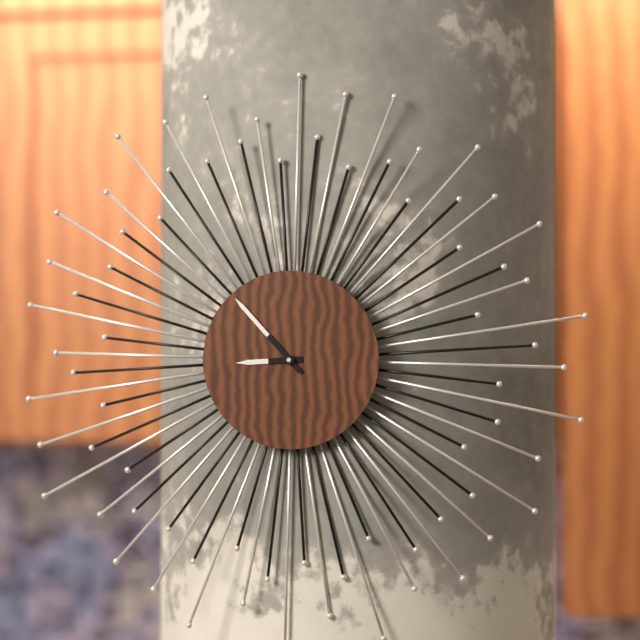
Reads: 8 h 53 min
